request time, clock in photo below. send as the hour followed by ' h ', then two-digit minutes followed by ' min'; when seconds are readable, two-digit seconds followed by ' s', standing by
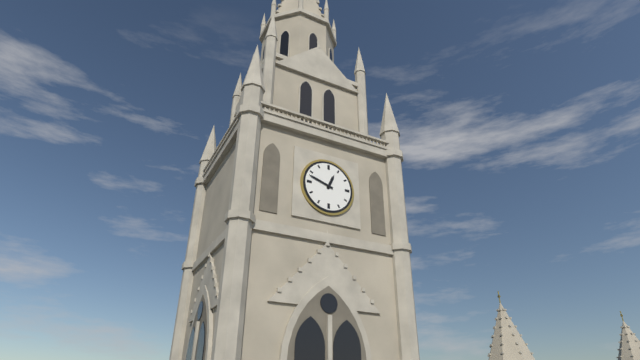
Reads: 12 h 48 min
